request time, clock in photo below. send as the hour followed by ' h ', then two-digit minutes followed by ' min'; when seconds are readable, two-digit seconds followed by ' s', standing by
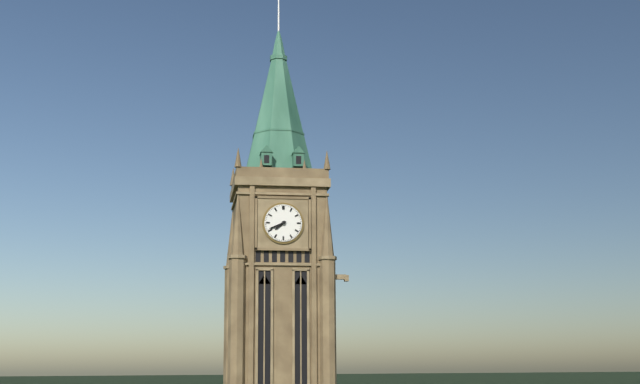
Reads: 7 h 41 min
